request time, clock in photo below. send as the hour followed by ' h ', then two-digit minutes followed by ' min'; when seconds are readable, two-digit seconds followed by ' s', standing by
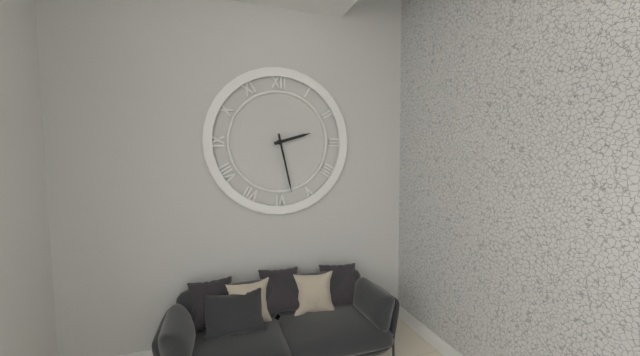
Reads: 2 h 28 min
